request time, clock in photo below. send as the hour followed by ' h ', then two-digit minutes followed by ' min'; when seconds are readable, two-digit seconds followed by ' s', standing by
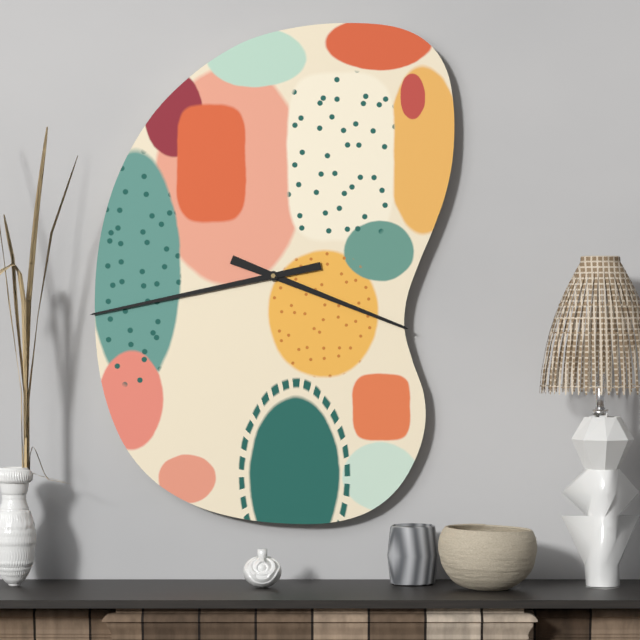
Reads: 3 h 43 min
